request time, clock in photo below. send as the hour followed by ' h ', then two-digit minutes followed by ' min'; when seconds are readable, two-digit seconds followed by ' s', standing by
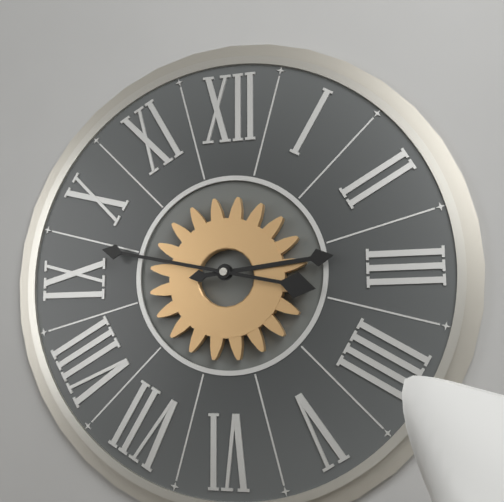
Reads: 2 h 47 min
